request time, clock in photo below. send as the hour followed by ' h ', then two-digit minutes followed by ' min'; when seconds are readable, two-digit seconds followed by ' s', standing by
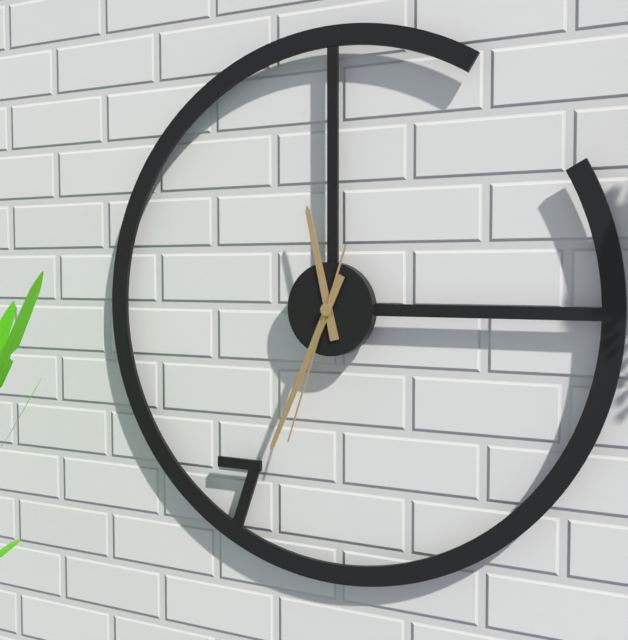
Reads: 11 h 34 min 33 s
